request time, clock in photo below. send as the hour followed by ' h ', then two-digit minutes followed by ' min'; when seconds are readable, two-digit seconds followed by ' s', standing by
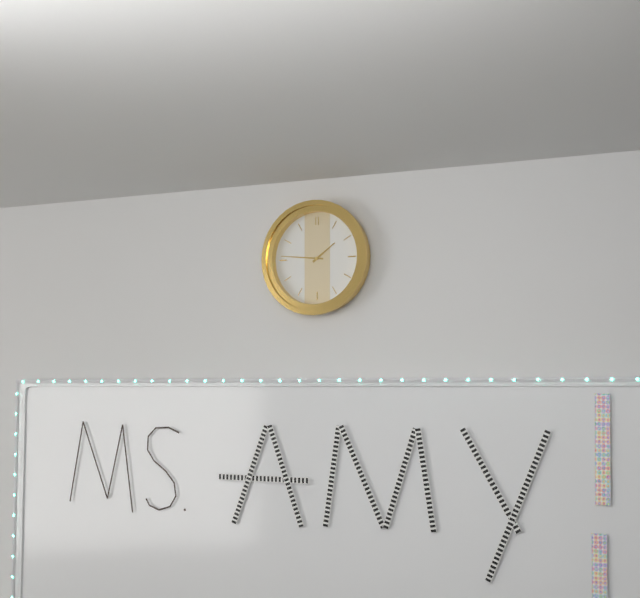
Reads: 1 h 46 min
